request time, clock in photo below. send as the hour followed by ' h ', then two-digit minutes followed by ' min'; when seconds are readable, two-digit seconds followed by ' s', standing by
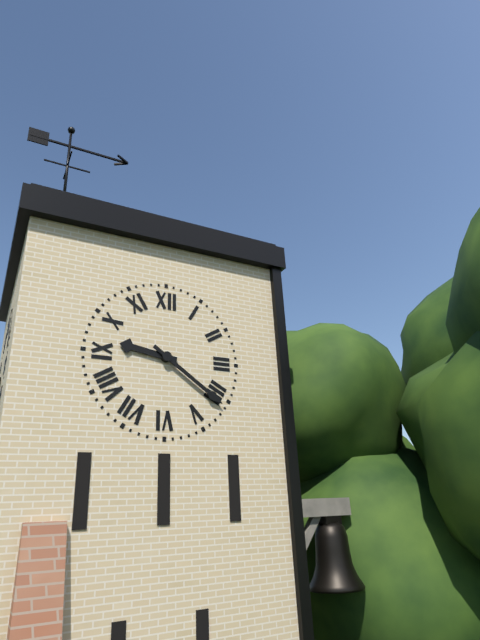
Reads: 9 h 21 min
